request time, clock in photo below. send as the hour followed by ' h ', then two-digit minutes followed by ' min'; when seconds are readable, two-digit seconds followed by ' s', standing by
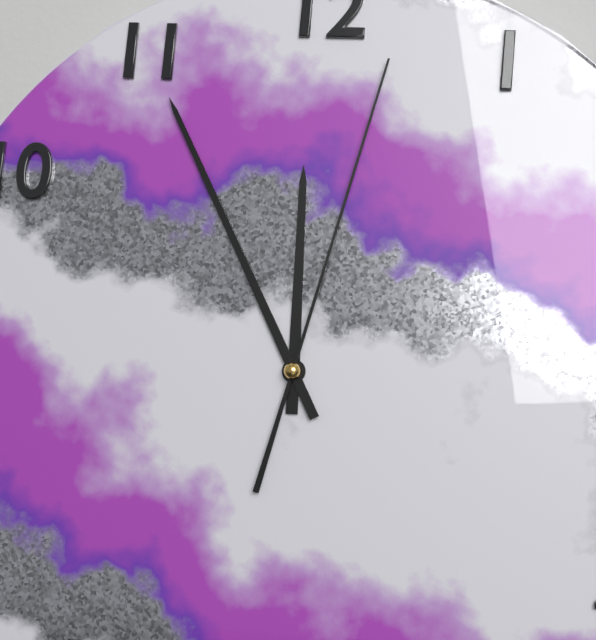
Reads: 11 h 55 min 02 s
